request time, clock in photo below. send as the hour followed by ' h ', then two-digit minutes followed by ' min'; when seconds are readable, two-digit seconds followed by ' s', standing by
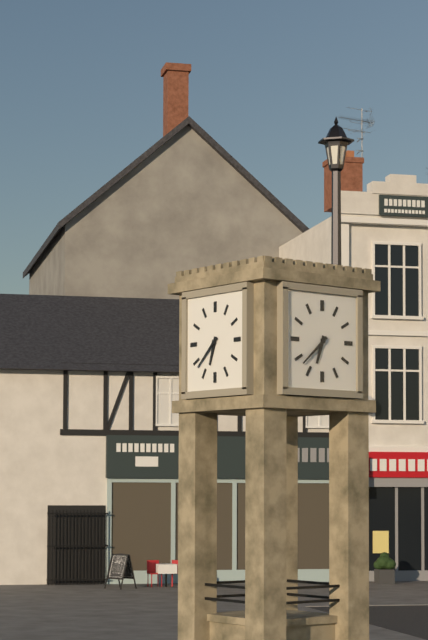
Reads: 6 h 38 min
